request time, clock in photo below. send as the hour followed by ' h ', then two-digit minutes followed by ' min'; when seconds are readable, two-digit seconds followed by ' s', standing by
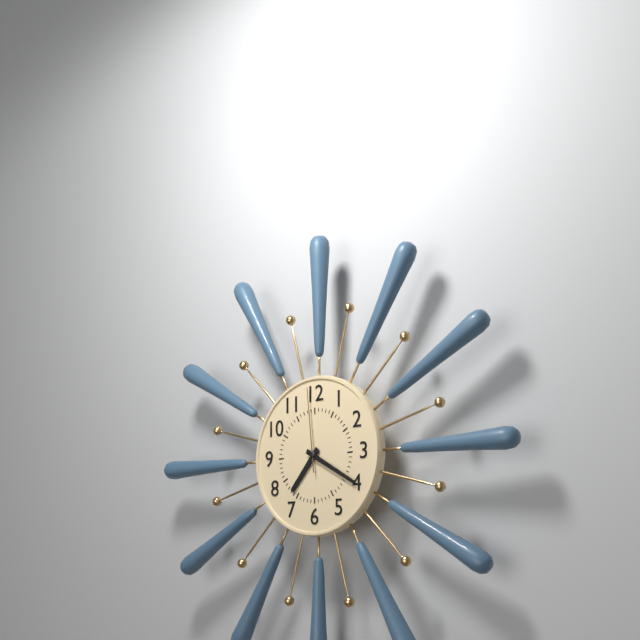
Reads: 7 h 20 min 59 s
